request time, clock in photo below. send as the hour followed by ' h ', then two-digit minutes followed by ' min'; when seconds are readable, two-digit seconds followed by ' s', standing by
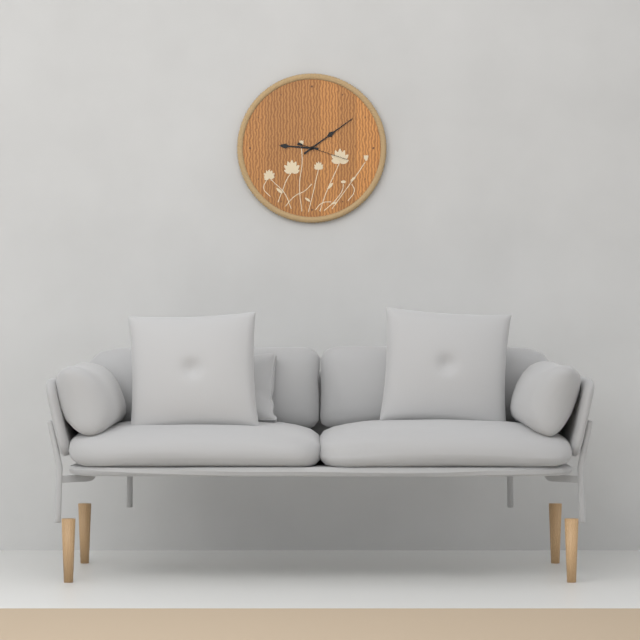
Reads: 9 h 09 min
